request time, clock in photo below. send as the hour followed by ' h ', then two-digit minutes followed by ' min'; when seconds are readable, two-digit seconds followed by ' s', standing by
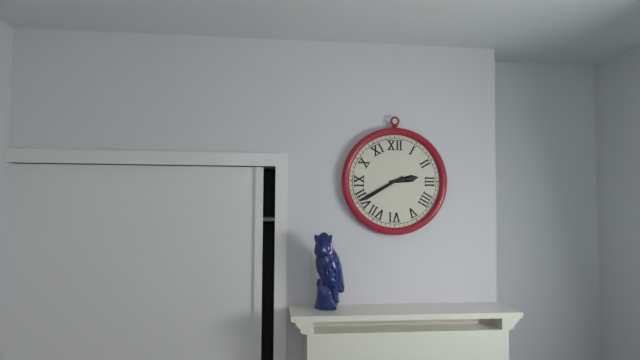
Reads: 2 h 40 min
